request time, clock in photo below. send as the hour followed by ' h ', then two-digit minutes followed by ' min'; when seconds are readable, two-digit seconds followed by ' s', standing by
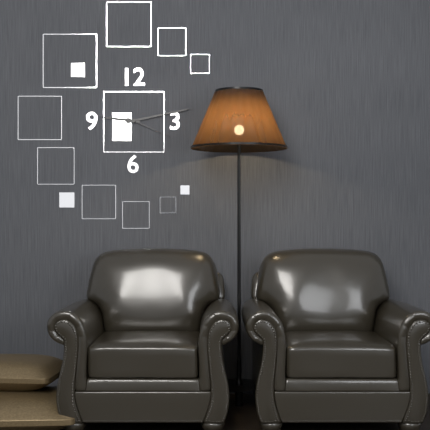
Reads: 9 h 13 min 19 s
